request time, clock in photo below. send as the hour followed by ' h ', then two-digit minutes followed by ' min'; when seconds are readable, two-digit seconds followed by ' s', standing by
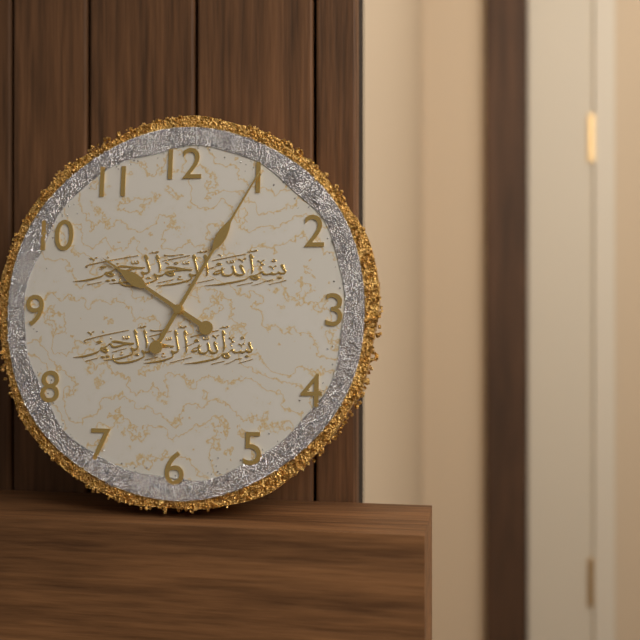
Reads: 10 h 05 min
